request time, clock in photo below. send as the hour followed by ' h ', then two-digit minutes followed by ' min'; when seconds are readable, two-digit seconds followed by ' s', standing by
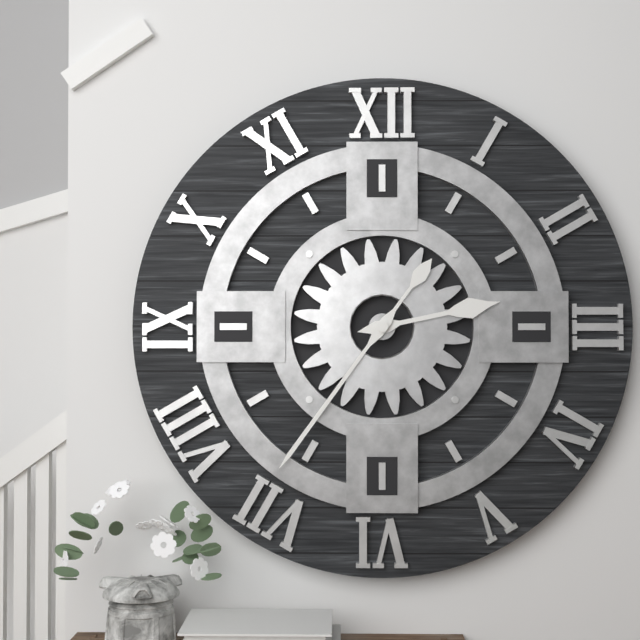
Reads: 2 h 36 min
